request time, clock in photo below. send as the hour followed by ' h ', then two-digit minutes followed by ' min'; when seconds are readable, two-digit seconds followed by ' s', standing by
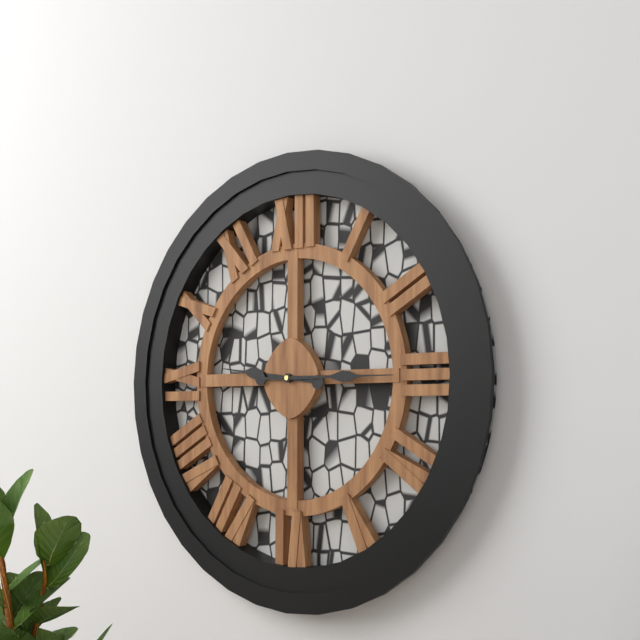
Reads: 9 h 15 min
